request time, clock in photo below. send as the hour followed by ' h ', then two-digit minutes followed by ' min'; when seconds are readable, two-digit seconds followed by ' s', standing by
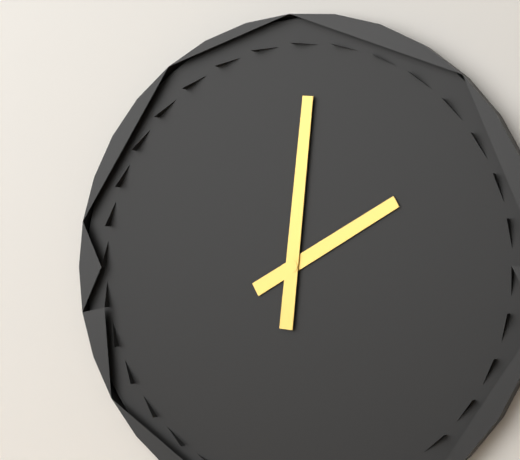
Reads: 2 h 01 min
